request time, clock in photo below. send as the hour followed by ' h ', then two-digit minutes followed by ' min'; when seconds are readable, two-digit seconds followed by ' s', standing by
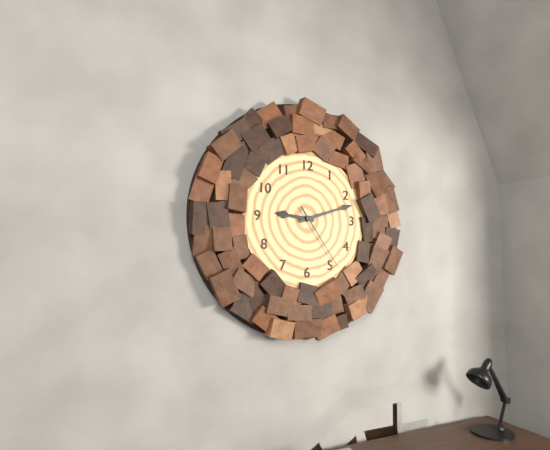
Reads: 9 h 12 min 24 s
